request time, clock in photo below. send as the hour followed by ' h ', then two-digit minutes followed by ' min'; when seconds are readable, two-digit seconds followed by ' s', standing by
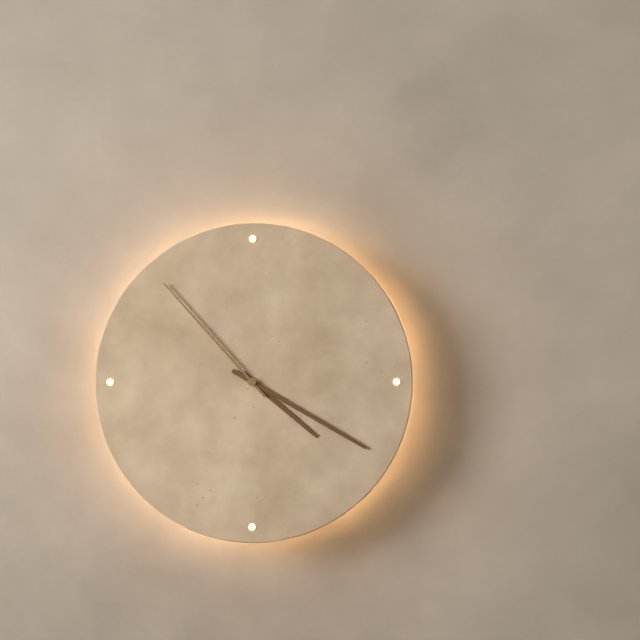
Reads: 4 h 20 min 53 s
